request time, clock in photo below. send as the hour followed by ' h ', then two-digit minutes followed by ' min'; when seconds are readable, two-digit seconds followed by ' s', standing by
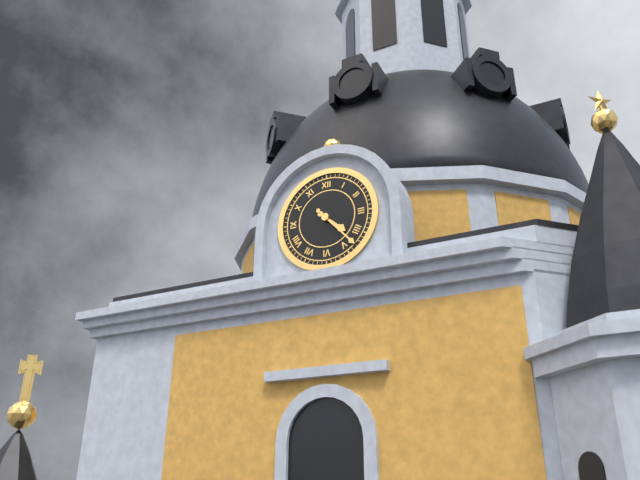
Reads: 4 h 23 min
